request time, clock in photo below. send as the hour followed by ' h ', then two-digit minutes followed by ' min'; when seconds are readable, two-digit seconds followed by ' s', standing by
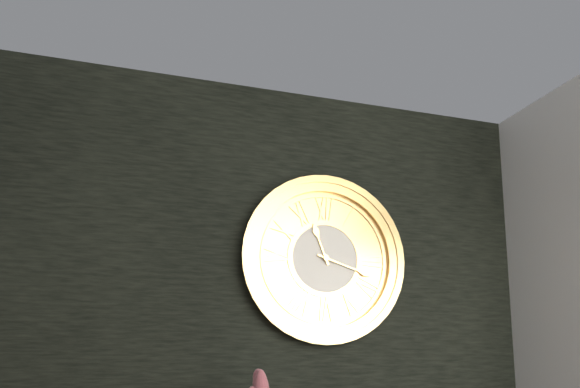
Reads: 11 h 18 min
